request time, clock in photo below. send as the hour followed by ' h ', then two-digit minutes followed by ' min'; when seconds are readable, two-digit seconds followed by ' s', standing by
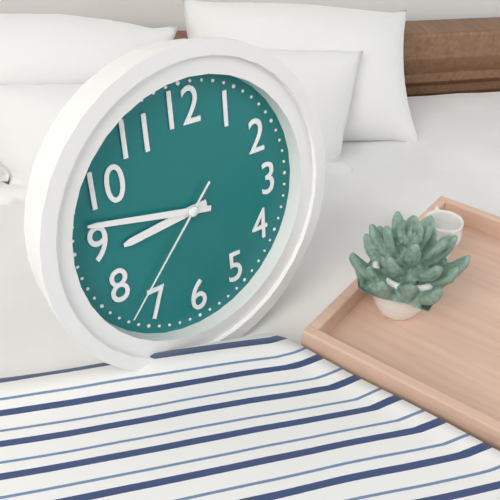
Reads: 8 h 47 min 37 s
